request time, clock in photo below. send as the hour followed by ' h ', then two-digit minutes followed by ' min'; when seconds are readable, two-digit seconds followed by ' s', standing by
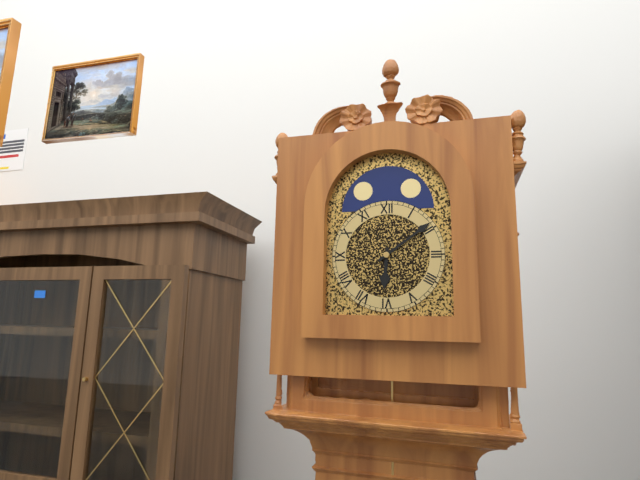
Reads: 6 h 09 min
